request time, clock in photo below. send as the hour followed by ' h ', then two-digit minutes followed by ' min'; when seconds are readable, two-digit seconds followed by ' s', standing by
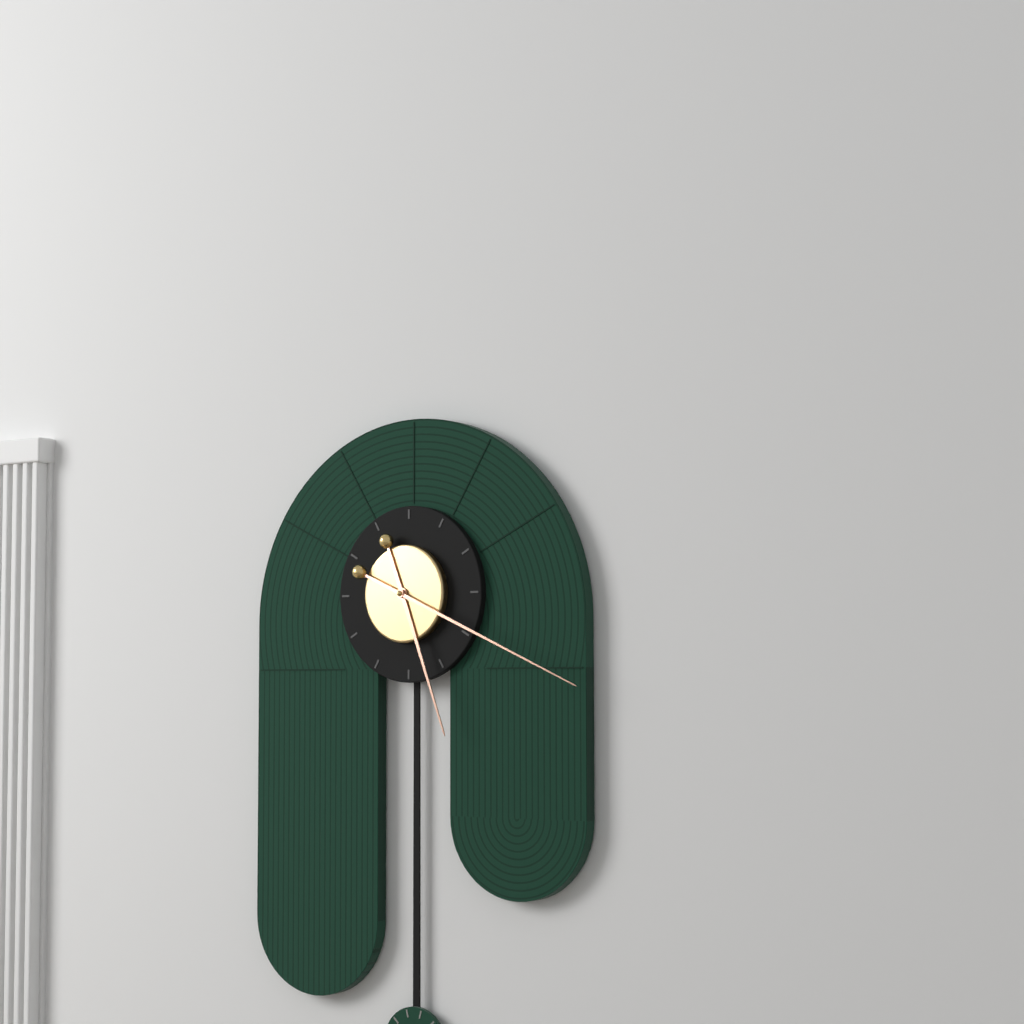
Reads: 5 h 19 min
